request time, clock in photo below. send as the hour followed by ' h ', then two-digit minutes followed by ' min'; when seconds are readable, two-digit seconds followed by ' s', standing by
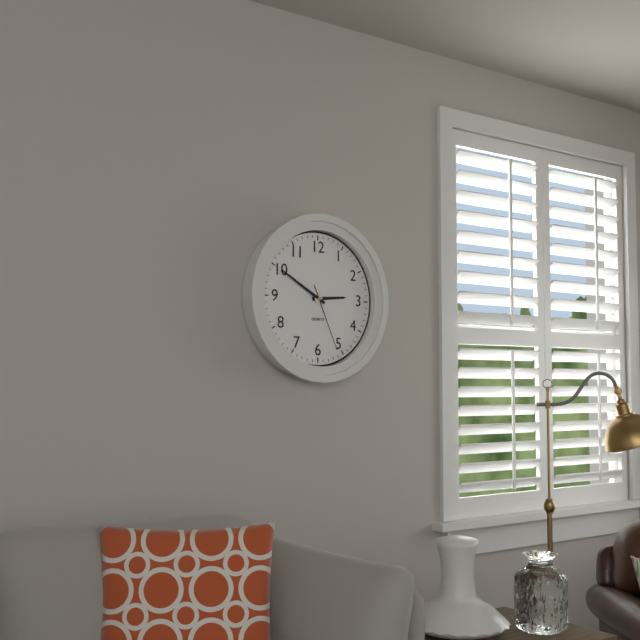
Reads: 2 h 50 min 26 s
